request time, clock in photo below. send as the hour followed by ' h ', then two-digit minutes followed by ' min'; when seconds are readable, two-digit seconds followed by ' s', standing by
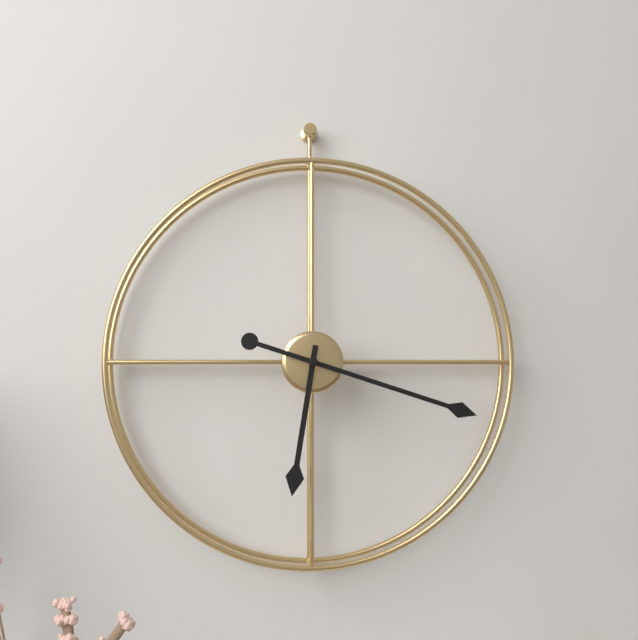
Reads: 6 h 18 min
